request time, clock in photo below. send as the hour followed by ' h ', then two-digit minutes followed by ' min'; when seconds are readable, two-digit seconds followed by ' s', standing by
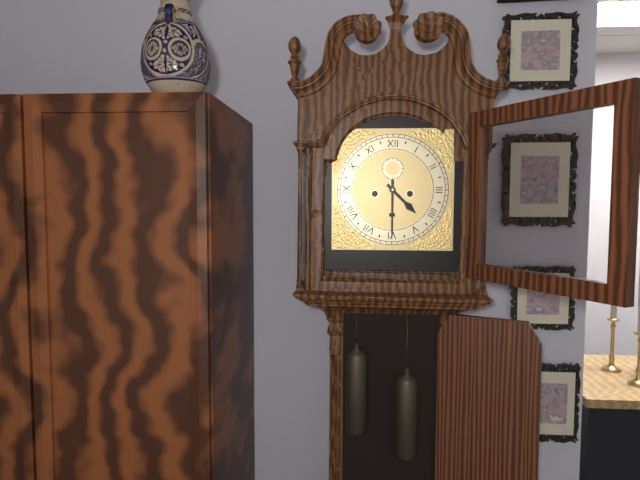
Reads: 4 h 30 min
